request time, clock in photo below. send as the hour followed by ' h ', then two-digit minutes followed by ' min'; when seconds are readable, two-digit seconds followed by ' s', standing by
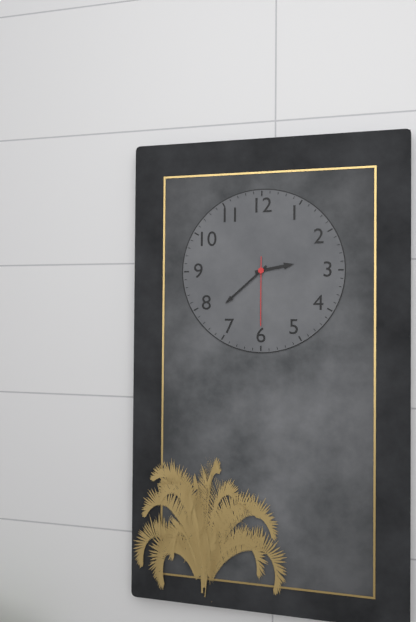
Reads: 2 h 38 min 30 s
